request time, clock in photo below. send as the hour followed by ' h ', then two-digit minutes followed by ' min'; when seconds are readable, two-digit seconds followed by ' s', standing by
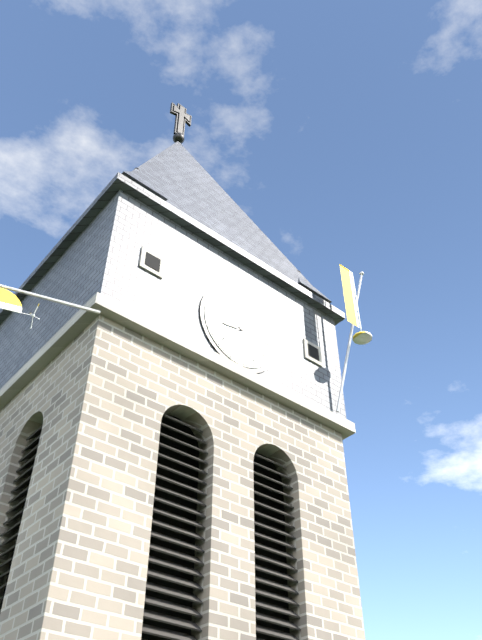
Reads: 8 h 37 min
